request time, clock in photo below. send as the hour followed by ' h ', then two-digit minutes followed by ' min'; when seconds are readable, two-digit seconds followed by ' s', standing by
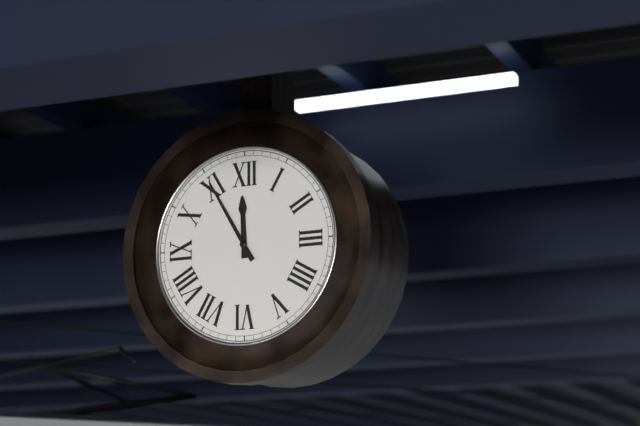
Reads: 11 h 55 min
